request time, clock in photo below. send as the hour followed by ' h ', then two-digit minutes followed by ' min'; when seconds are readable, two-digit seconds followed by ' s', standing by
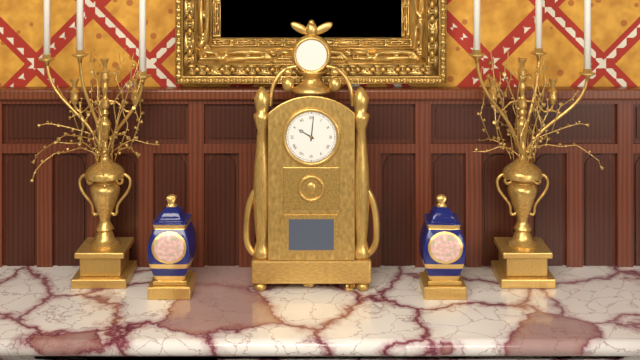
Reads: 10 h 01 min
